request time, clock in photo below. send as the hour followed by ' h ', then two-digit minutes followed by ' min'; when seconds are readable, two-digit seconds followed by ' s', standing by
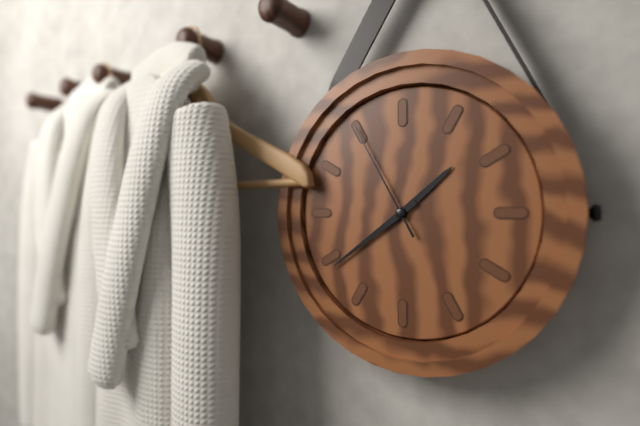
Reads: 1 h 39 min 55 s
